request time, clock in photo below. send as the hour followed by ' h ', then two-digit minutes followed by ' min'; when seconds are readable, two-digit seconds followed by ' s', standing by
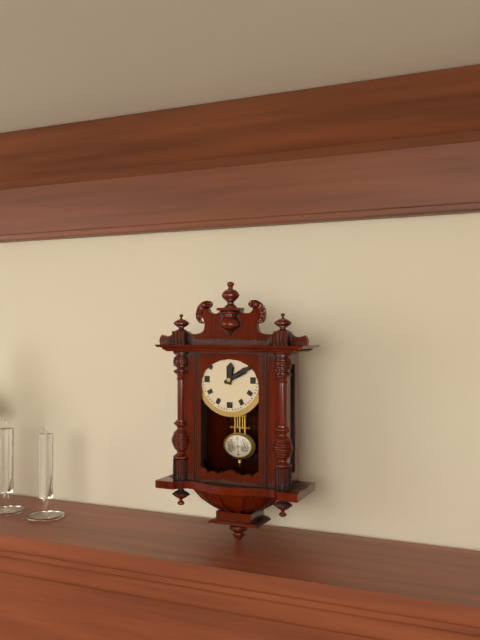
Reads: 12 h 10 min
